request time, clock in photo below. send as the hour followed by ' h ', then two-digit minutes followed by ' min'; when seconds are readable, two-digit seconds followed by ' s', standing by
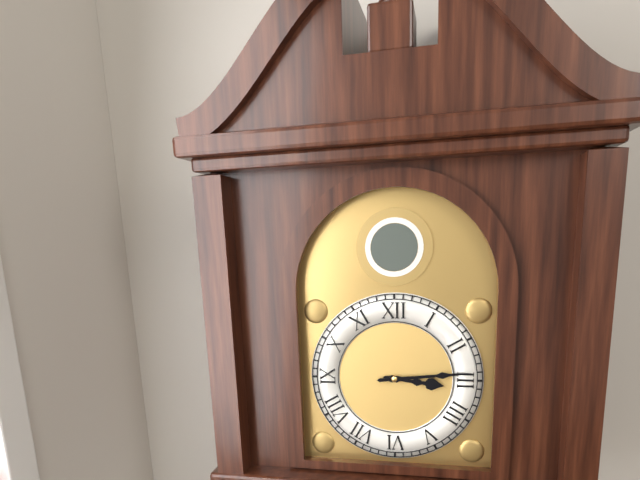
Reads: 3 h 14 min
